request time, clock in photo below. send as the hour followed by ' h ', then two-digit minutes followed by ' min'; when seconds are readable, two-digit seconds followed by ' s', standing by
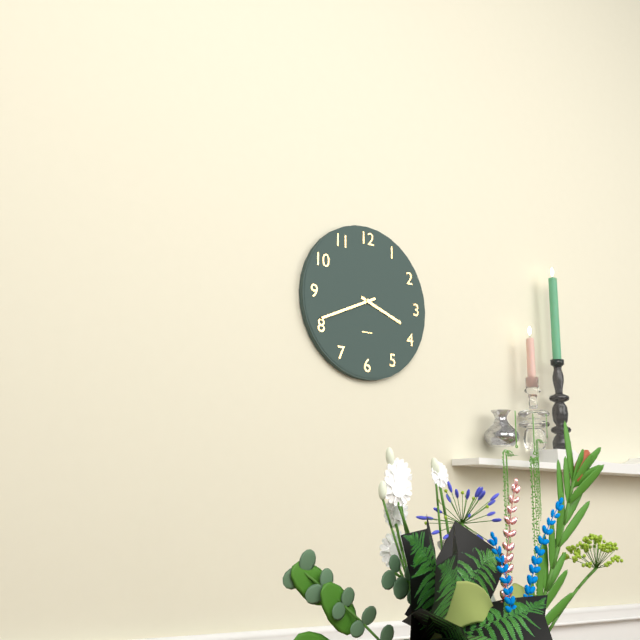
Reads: 3 h 41 min
